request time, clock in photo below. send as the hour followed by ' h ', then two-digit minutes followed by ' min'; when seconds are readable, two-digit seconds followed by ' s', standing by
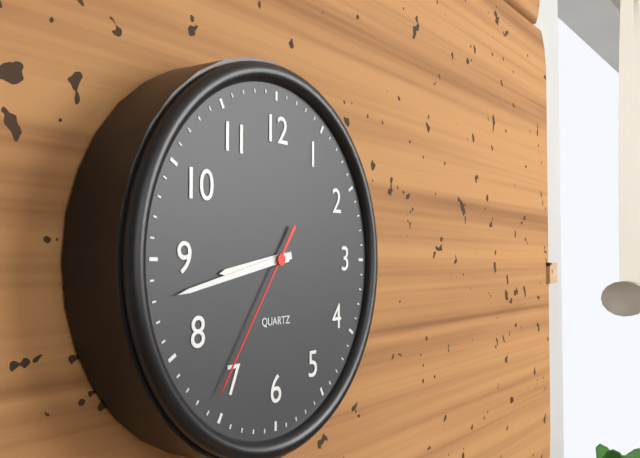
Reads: 8 h 43 min 36 s
